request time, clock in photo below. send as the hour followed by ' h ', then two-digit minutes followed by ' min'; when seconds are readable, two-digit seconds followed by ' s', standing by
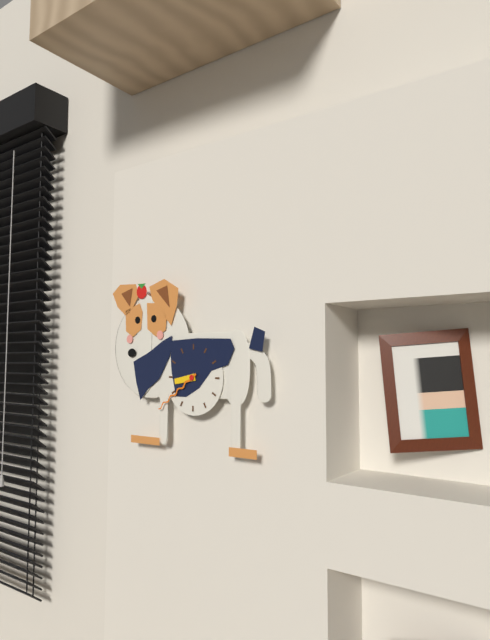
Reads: 8 h 39 min
